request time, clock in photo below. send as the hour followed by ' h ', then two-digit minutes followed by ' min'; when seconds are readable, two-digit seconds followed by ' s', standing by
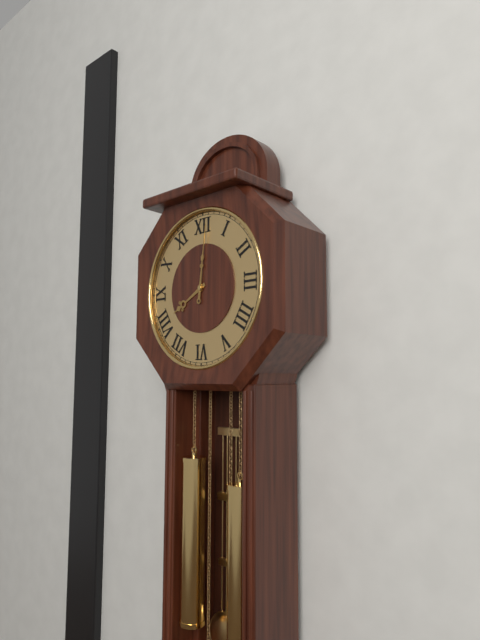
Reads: 8 h 01 min
